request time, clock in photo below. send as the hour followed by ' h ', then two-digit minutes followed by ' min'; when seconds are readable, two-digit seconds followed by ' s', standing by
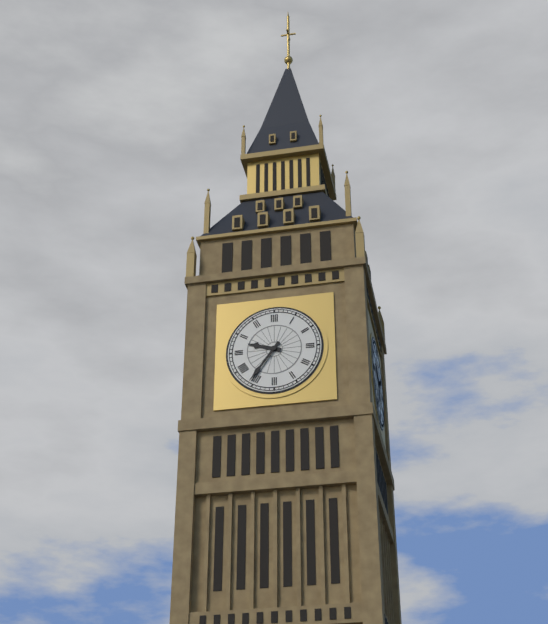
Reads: 9 h 36 min
